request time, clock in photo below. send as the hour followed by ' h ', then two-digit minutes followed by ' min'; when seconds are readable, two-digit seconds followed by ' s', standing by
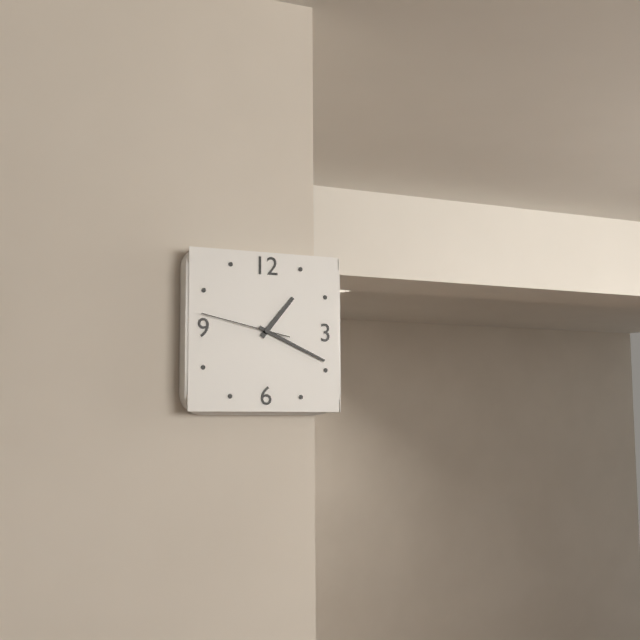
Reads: 1 h 19 min 47 s
